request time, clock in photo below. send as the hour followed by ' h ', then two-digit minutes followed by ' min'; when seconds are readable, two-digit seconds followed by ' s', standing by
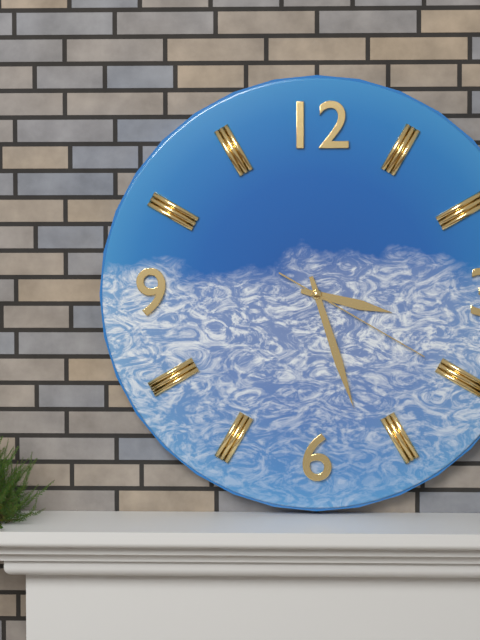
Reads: 3 h 27 min 20 s
